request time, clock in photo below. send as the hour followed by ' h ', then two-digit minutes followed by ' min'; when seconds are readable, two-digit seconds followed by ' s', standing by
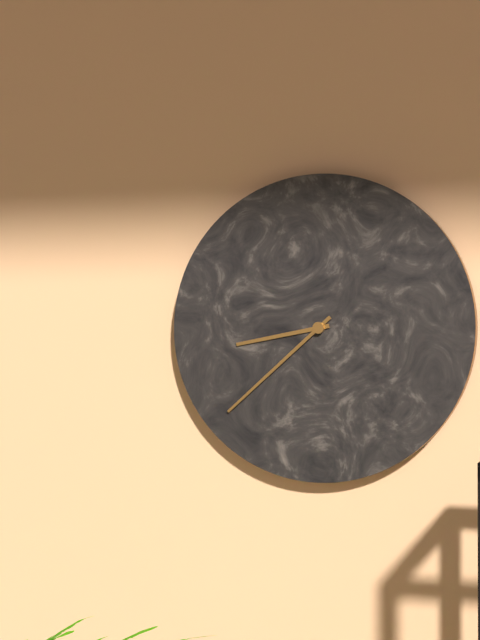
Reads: 8 h 38 min
